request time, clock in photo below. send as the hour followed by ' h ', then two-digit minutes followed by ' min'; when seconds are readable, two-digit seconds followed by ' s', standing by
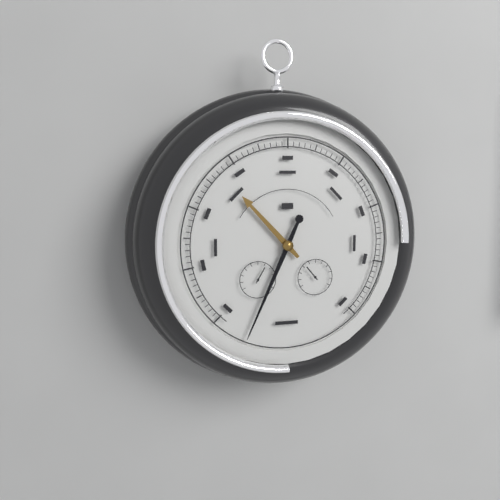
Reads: 10 h 34 min
